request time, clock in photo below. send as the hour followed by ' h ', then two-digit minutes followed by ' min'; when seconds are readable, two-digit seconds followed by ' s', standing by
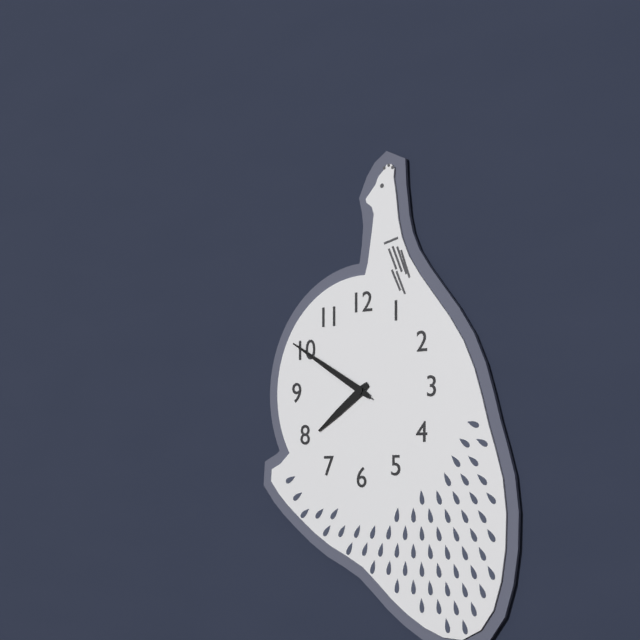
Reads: 7 h 50 min 50 s
